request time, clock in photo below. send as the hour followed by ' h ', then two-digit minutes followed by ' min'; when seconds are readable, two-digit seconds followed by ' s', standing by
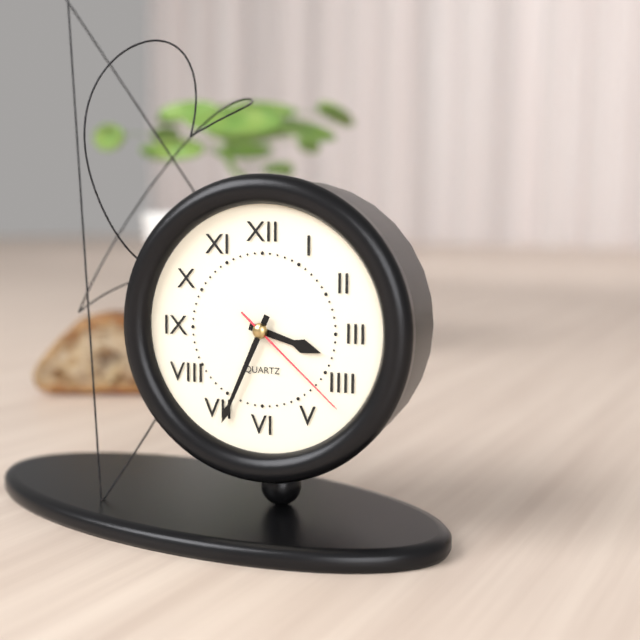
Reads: 3 h 34 min 22 s
